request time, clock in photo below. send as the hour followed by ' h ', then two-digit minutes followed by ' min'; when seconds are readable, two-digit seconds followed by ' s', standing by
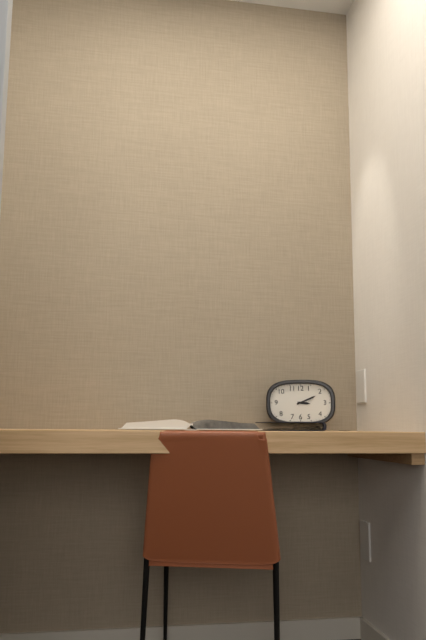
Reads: 3 h 11 min
